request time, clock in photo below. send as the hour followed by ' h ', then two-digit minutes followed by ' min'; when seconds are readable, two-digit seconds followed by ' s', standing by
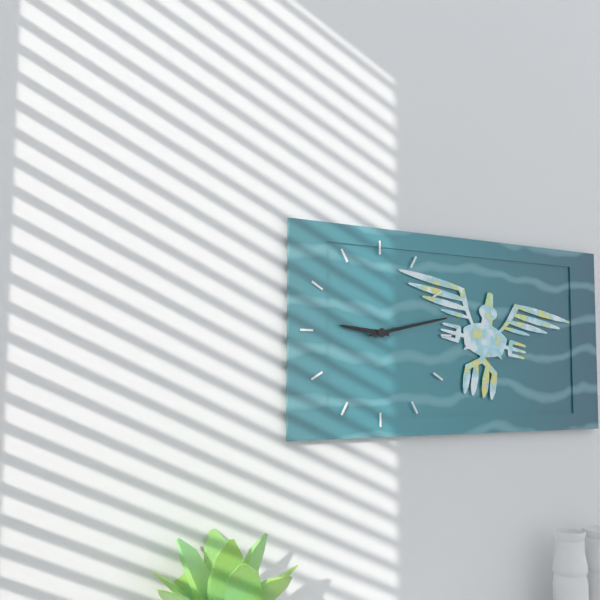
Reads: 9 h 13 min
